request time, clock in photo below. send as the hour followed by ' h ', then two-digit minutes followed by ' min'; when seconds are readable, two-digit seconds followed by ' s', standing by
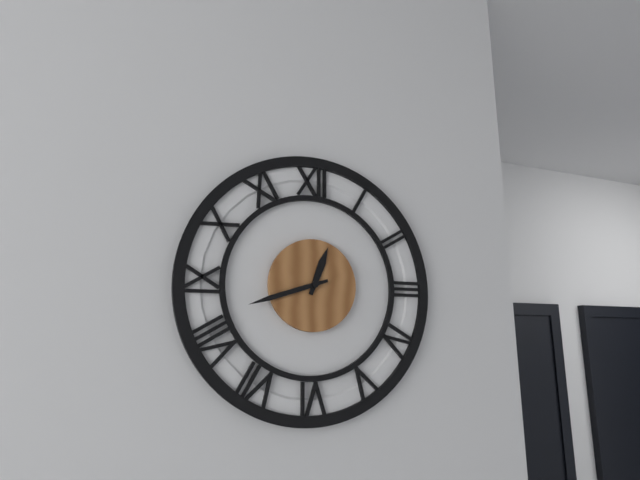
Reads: 12 h 42 min
